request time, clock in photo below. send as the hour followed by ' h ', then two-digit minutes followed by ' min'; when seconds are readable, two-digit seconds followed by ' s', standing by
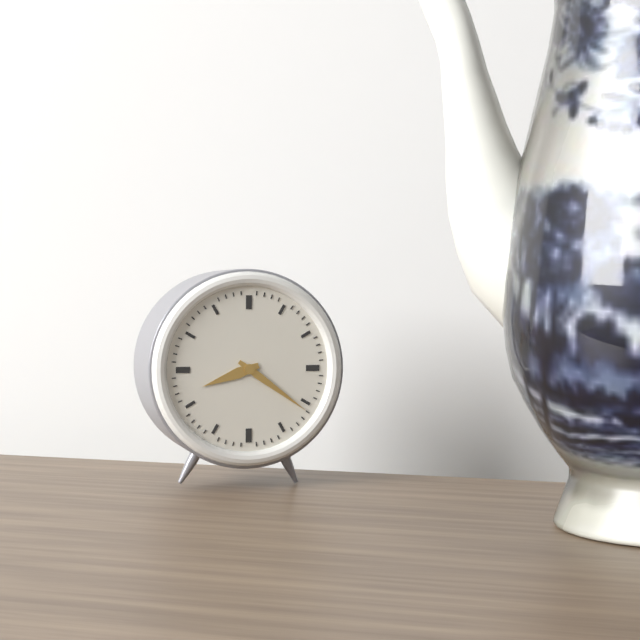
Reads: 8 h 21 min
